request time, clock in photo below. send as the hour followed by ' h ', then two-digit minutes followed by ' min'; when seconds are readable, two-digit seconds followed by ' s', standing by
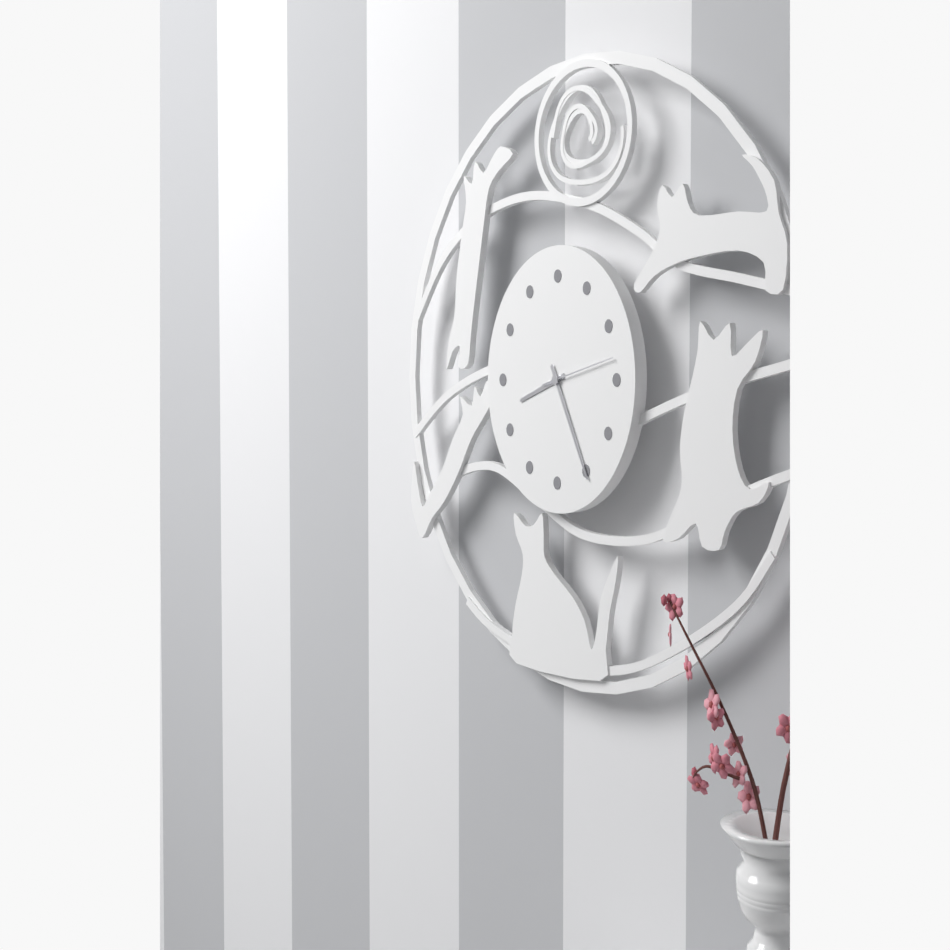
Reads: 8 h 25 min 13 s
